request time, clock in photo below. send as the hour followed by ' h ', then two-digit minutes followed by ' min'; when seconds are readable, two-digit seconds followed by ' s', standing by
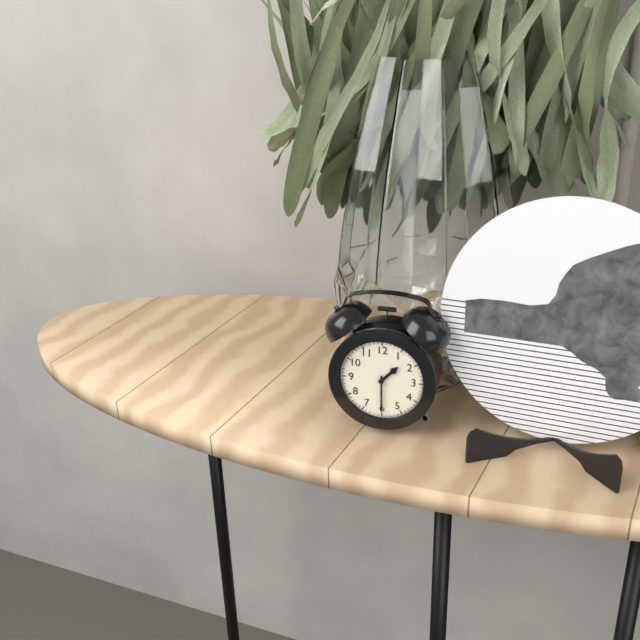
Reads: 1 h 30 min
